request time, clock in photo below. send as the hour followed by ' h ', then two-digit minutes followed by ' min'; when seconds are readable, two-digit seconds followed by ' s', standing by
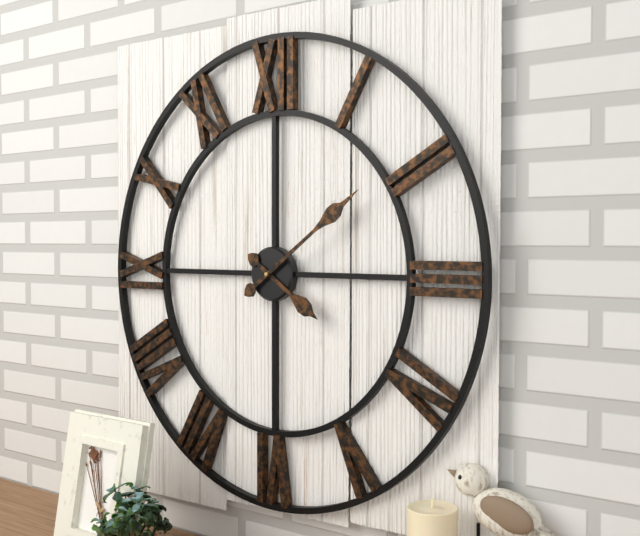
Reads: 4 h 09 min
